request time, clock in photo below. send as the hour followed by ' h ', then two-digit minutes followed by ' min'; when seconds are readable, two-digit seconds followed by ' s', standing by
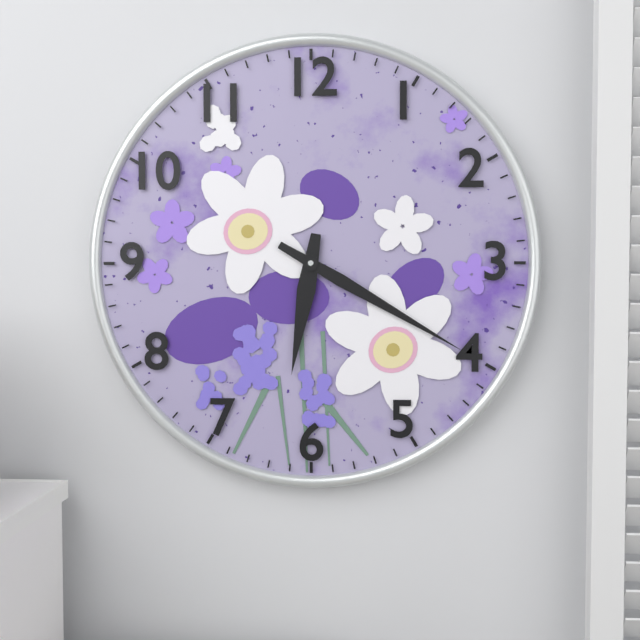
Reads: 6 h 20 min
